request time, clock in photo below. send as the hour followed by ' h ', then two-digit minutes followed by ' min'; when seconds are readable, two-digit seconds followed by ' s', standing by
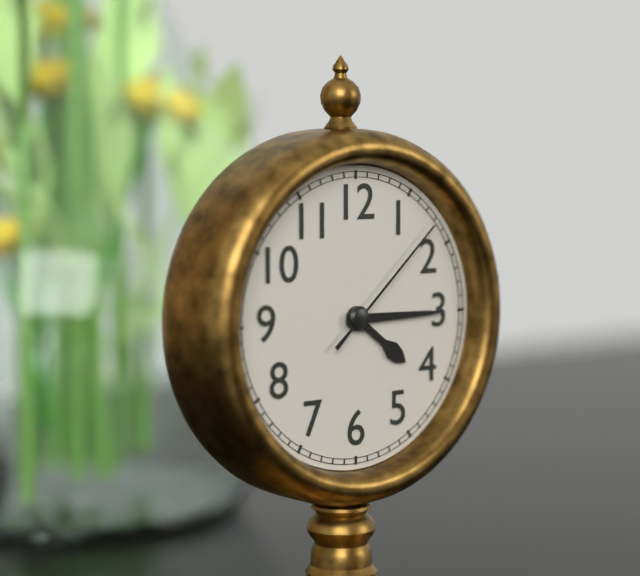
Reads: 4 h 15 min 08 s
